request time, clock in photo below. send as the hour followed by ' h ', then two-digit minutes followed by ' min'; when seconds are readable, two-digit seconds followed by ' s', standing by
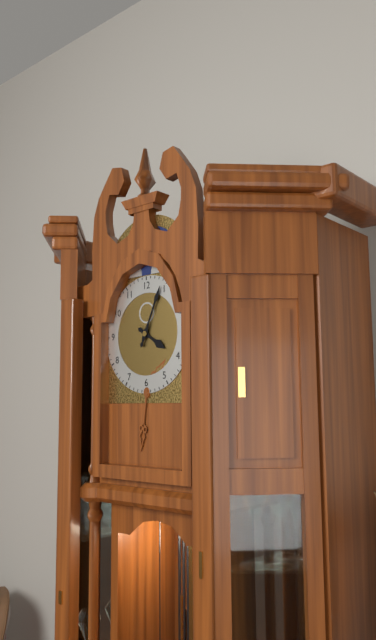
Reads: 4 h 04 min
